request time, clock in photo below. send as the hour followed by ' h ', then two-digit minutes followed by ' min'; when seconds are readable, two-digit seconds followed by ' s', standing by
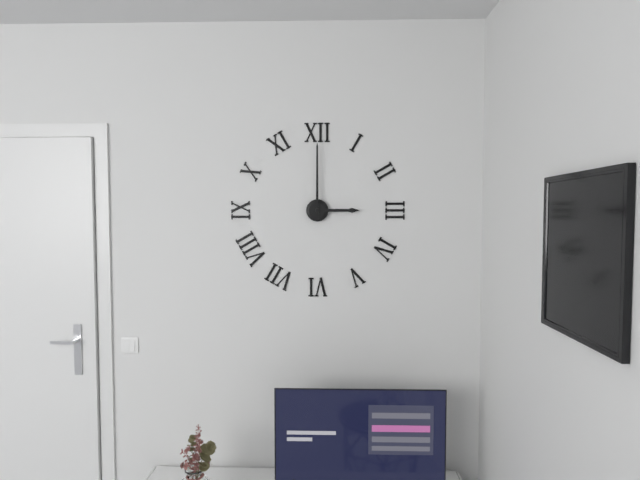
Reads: 3 h 00 min
